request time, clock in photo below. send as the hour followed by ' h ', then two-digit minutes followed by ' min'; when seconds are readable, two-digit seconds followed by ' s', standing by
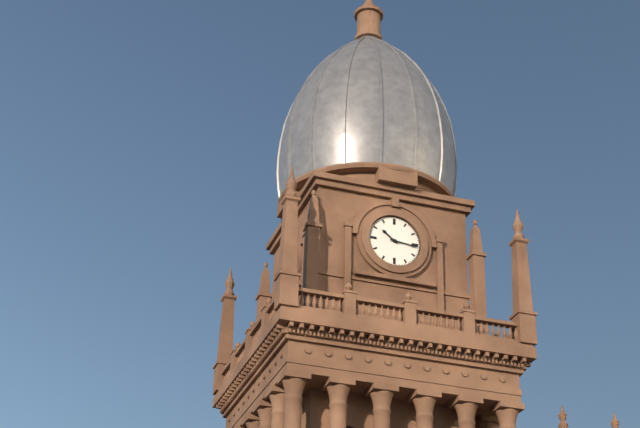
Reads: 10 h 16 min
